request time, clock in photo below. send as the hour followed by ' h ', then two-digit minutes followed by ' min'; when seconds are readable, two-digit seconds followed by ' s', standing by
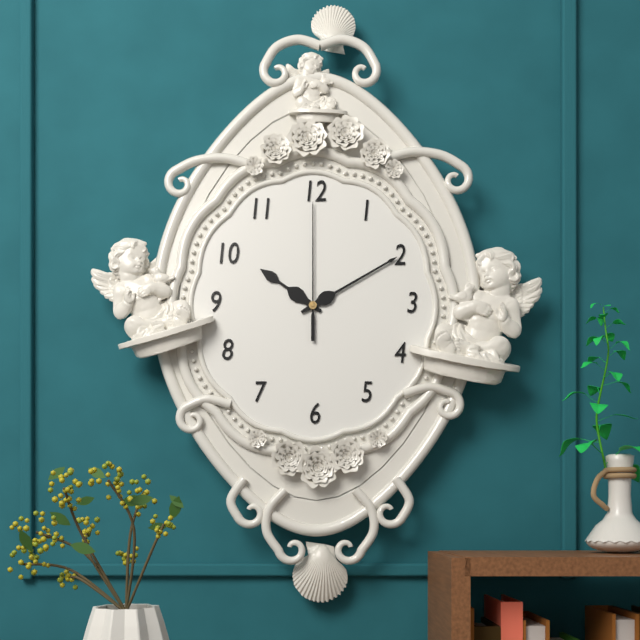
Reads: 10 h 10 min 00 s
